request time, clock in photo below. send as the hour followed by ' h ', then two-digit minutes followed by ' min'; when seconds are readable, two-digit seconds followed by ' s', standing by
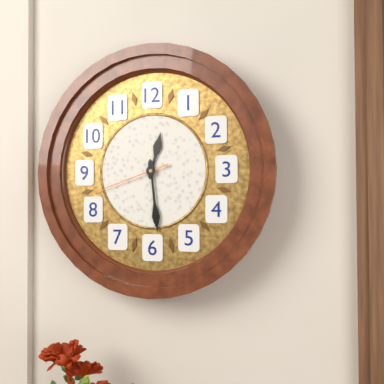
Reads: 12 h 29 min 42 s
